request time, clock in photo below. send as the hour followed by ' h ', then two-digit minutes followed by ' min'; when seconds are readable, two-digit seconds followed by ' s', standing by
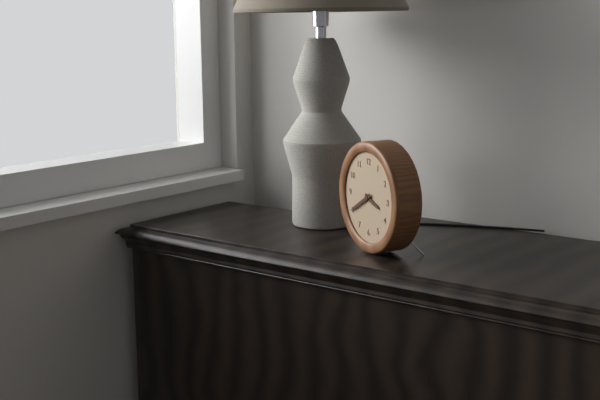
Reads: 3 h 40 min
